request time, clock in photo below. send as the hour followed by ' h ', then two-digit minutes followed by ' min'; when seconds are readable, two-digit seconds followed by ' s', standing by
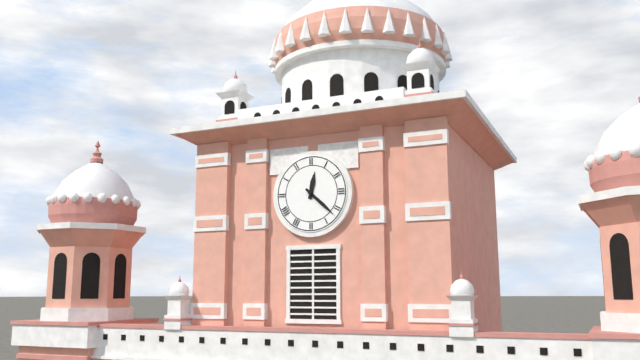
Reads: 12 h 22 min
